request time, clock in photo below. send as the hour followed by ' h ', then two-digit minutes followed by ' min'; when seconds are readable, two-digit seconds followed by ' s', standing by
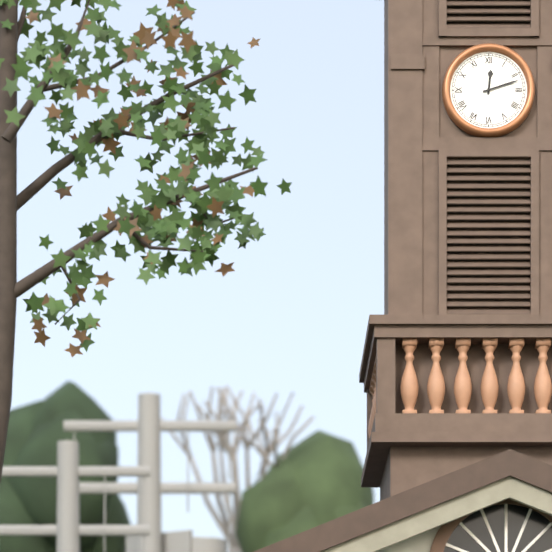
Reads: 12 h 12 min
